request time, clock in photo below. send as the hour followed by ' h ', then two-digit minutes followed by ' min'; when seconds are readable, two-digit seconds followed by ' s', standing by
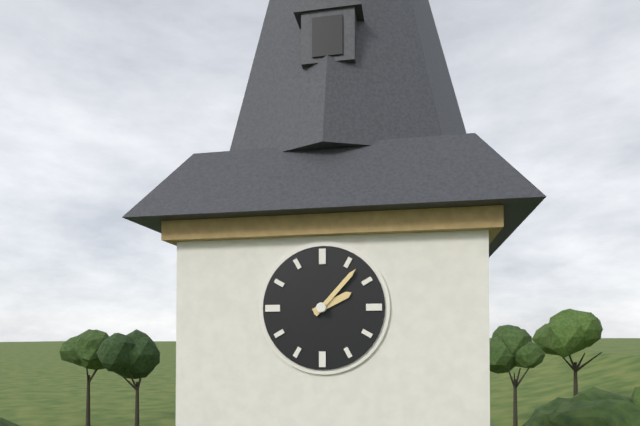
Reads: 2 h 07 min
